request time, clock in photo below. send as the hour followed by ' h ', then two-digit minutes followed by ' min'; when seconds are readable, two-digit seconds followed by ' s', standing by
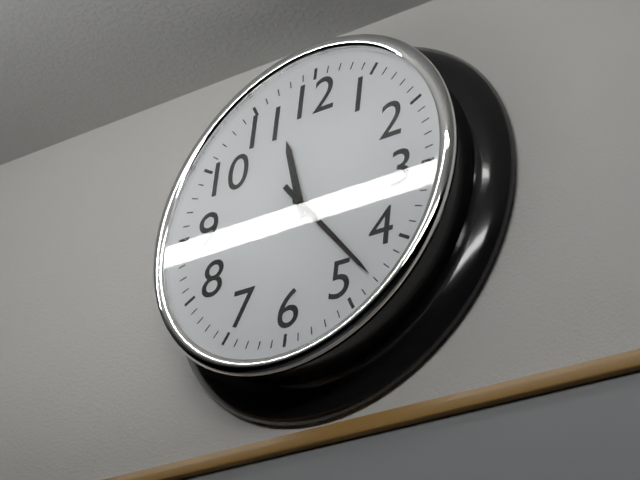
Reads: 11 h 23 min
